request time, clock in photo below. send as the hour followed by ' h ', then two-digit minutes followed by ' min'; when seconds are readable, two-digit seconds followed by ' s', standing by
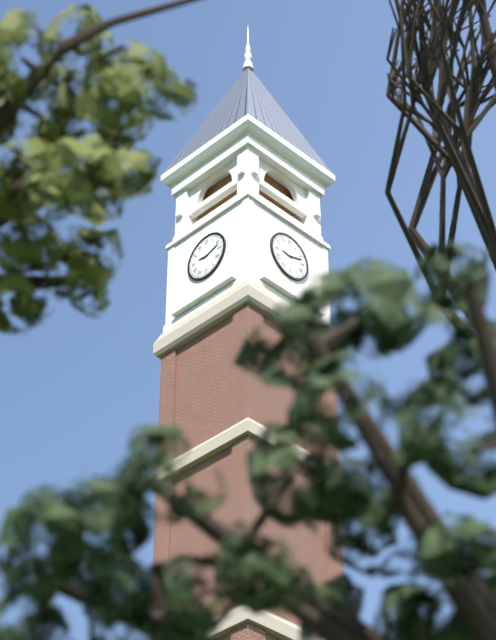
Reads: 9 h 12 min
